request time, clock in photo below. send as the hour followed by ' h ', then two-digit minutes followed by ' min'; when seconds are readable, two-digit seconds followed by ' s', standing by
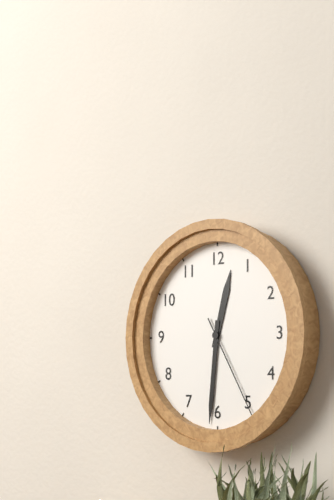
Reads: 12 h 31 min 25 s
